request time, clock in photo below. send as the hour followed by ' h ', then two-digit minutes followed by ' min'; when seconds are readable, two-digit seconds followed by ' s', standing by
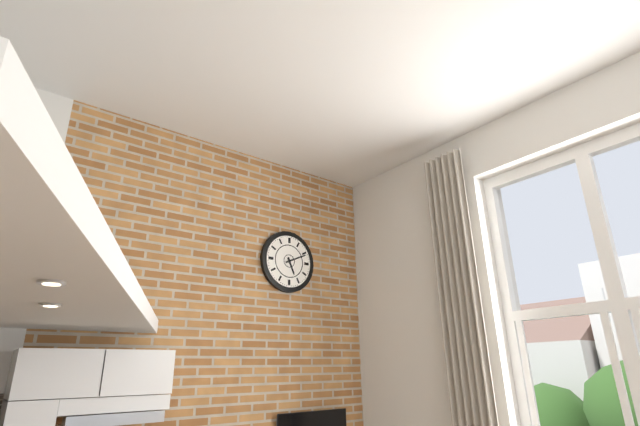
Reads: 5 h 11 min
